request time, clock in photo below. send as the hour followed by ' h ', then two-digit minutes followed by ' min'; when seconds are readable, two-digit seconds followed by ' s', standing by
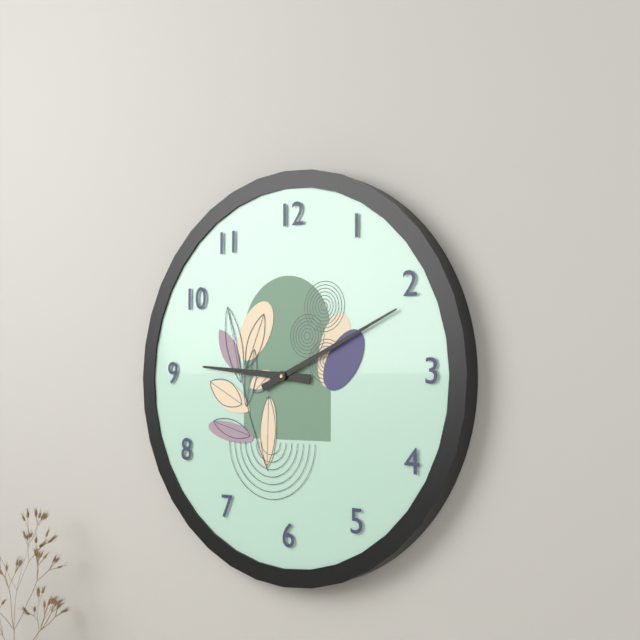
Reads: 9 h 11 min
